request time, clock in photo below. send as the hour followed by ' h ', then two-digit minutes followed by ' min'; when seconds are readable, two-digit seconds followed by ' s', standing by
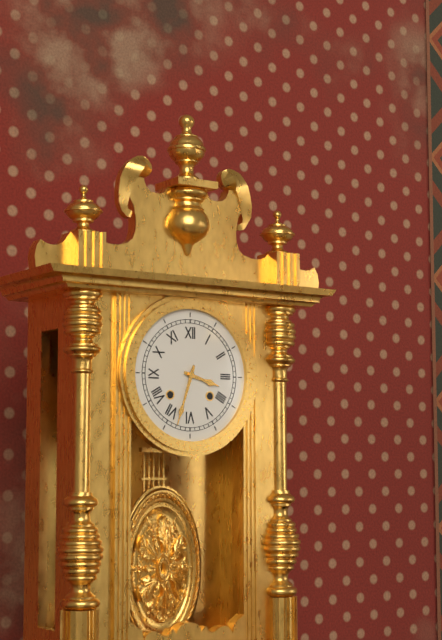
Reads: 3 h 33 min
